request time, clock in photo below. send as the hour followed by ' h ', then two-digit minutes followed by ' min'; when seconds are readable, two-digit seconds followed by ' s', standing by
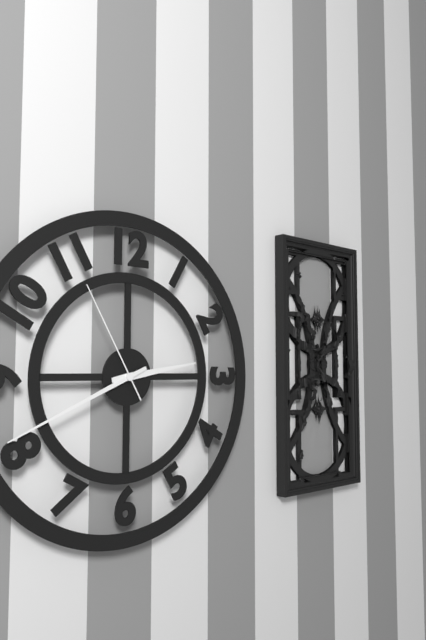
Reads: 2 h 41 min 55 s
